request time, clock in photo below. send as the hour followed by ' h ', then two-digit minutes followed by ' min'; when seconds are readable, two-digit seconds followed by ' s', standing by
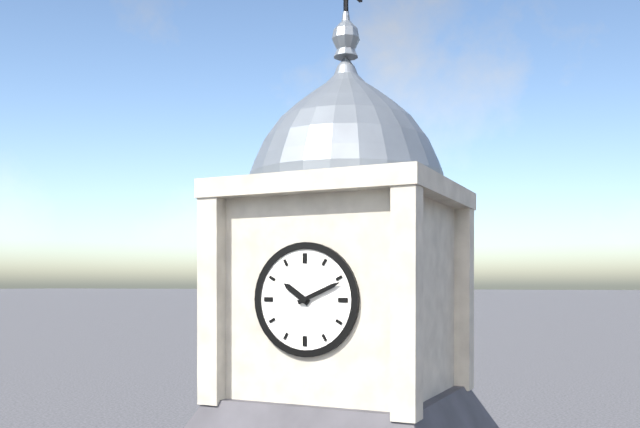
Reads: 10 h 11 min
